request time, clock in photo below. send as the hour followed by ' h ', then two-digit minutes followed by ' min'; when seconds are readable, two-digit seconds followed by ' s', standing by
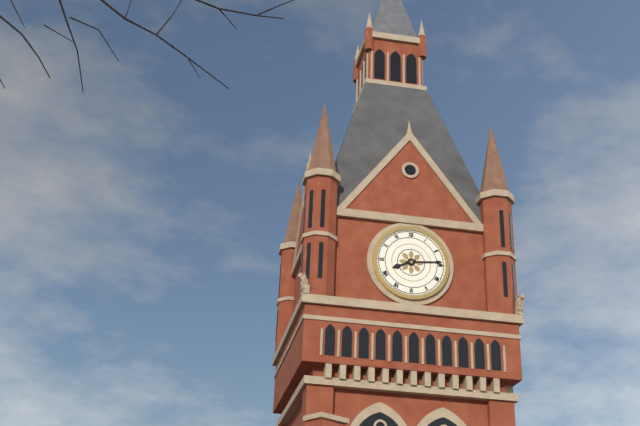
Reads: 8 h 14 min
